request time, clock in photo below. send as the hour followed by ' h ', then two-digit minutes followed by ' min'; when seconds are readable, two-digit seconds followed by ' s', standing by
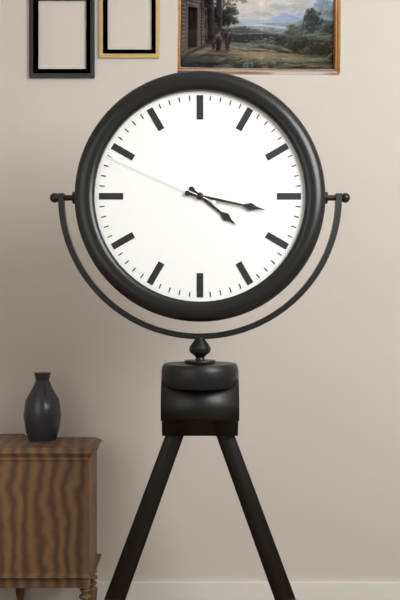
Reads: 4 h 17 min 49 s
